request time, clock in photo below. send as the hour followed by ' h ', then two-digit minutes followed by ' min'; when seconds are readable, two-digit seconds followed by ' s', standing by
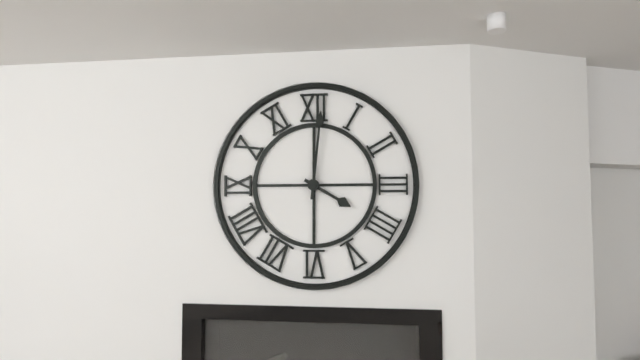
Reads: 4 h 01 min
